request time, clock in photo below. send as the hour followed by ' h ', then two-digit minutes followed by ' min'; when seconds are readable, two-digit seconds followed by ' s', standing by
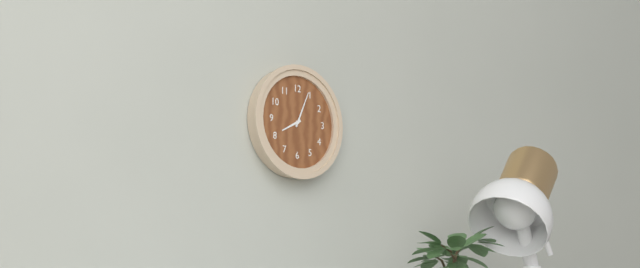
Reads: 8 h 04 min
